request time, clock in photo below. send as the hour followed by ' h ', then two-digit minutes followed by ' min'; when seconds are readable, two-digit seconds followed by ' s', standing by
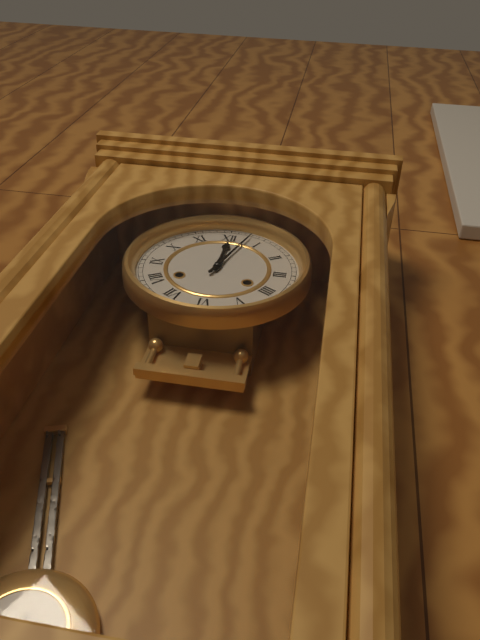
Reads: 12 h 03 min
